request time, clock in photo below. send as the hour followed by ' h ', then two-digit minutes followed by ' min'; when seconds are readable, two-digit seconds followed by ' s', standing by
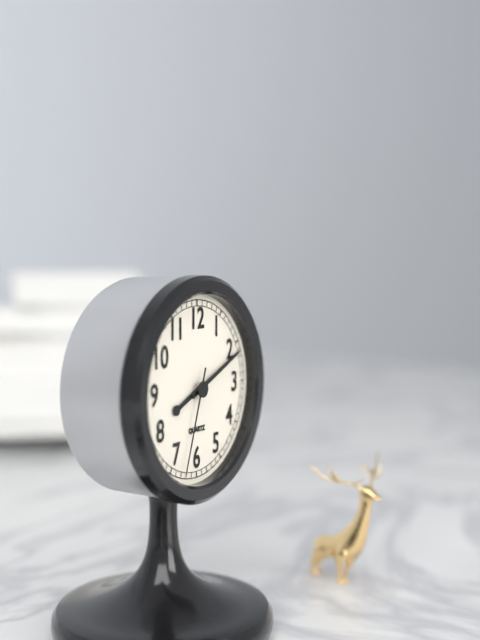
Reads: 8 h 11 min 33 s
